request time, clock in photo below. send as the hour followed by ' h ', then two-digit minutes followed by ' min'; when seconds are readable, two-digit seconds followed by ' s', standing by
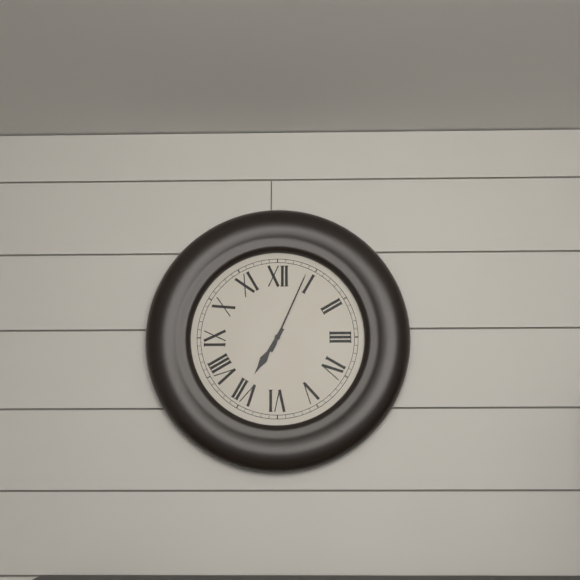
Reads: 7 h 04 min
